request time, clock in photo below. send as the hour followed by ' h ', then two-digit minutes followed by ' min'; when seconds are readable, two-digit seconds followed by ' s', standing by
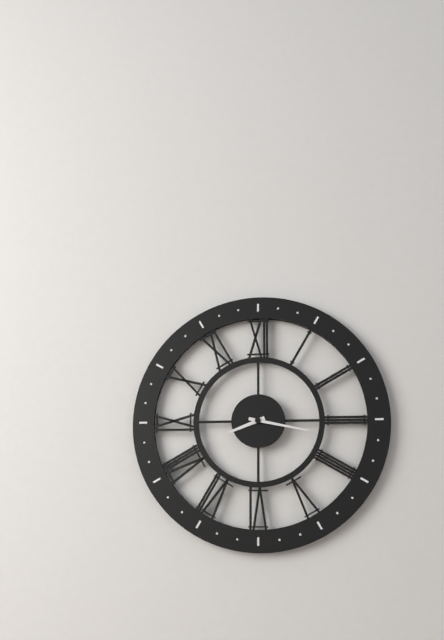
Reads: 8 h 17 min
